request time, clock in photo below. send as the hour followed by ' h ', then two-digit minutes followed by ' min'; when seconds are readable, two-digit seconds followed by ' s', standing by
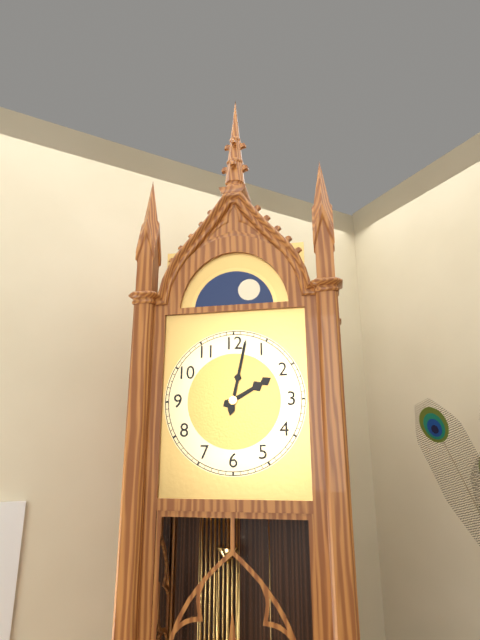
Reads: 2 h 02 min
